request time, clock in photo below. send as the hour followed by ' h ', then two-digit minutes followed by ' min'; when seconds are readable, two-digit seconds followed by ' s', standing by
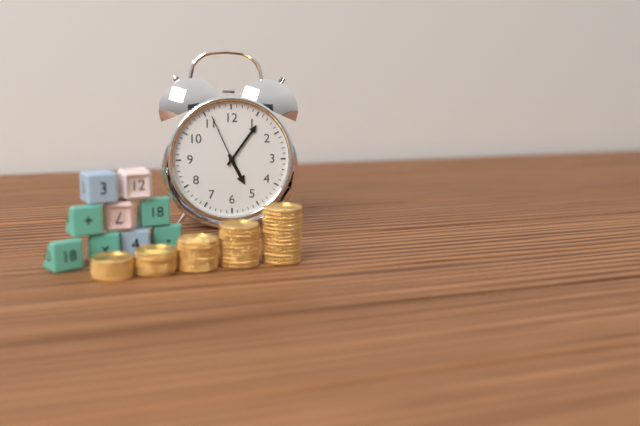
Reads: 5 h 06 min 56 s
